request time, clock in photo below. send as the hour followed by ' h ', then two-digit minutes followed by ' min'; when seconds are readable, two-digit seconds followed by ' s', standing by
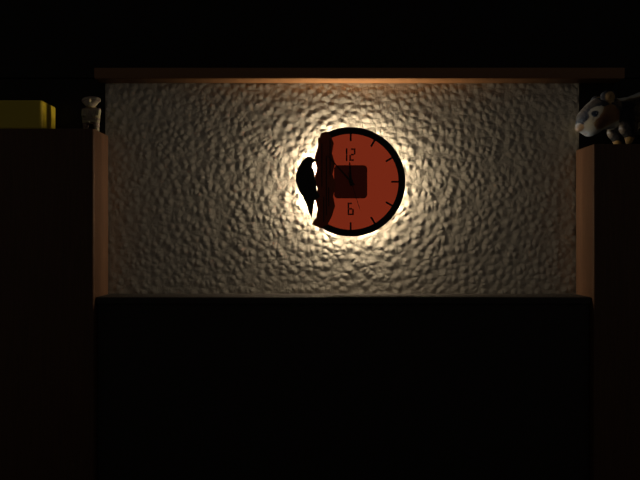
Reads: 11 h 53 min
